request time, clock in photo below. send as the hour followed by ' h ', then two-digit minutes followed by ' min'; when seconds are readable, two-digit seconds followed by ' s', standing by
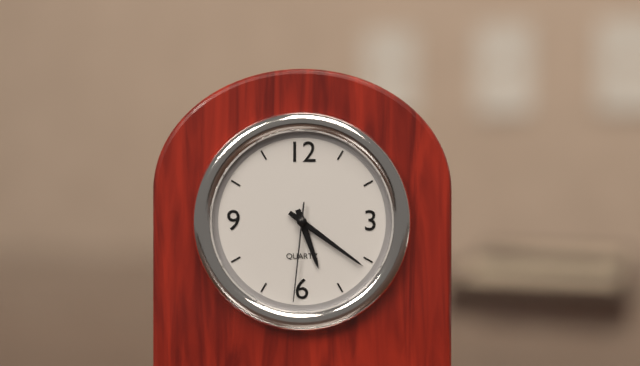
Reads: 5 h 21 min 31 s
